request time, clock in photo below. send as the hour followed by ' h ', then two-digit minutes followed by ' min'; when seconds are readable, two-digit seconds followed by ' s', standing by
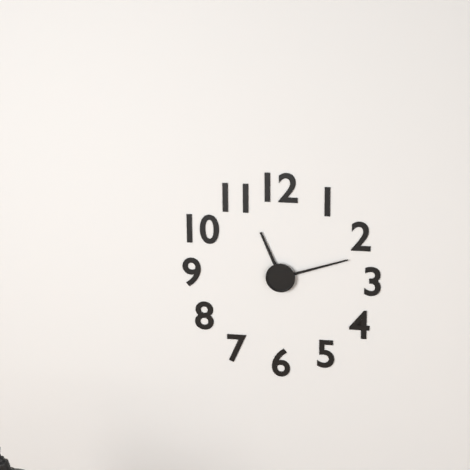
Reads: 11 h 12 min
